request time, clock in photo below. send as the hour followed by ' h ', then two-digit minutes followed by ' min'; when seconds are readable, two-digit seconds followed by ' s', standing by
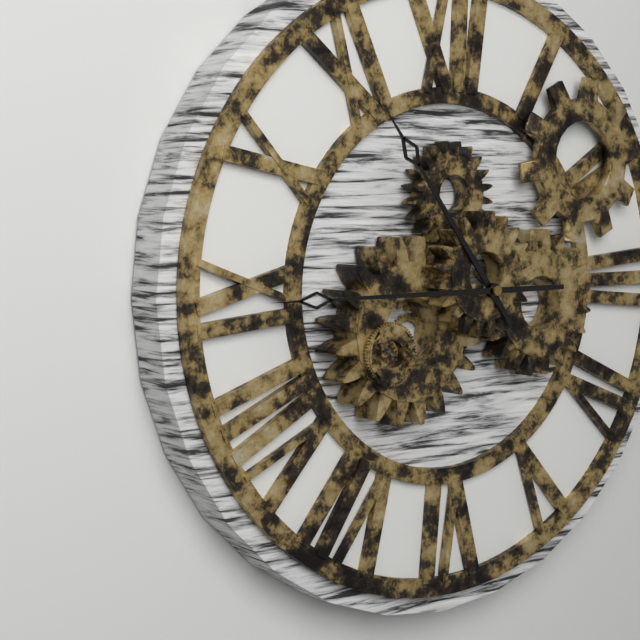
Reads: 10 h 45 min
